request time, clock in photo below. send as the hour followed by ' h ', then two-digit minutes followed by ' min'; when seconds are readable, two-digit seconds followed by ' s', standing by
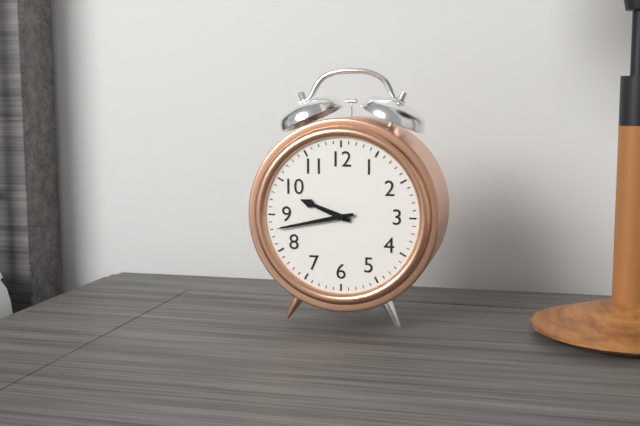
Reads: 9 h 43 min
